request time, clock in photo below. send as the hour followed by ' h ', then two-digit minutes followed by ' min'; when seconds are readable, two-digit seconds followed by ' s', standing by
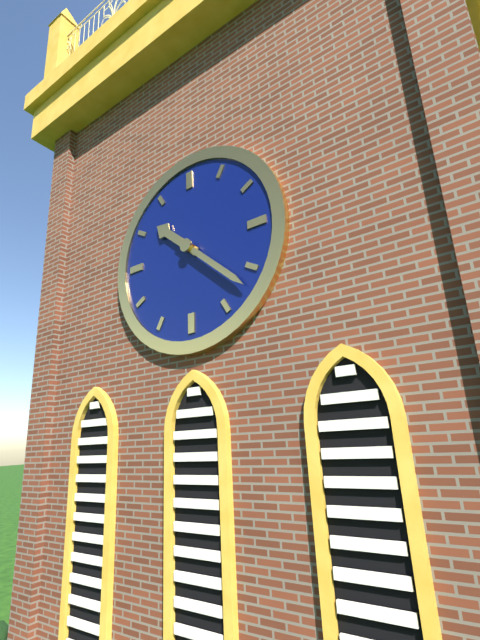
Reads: 10 h 22 min
